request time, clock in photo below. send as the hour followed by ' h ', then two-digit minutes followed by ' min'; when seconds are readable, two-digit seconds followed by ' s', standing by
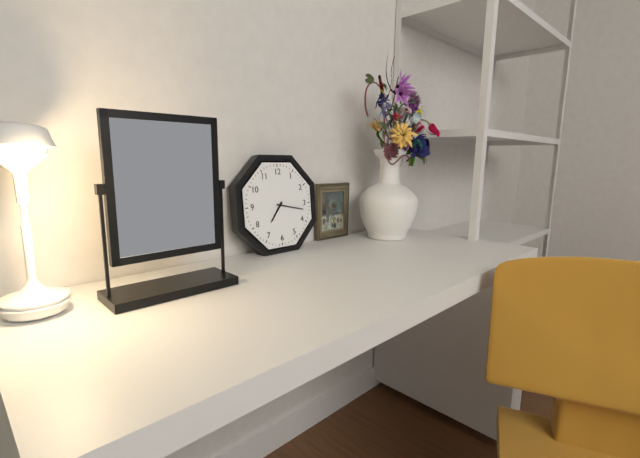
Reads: 7 h 17 min
